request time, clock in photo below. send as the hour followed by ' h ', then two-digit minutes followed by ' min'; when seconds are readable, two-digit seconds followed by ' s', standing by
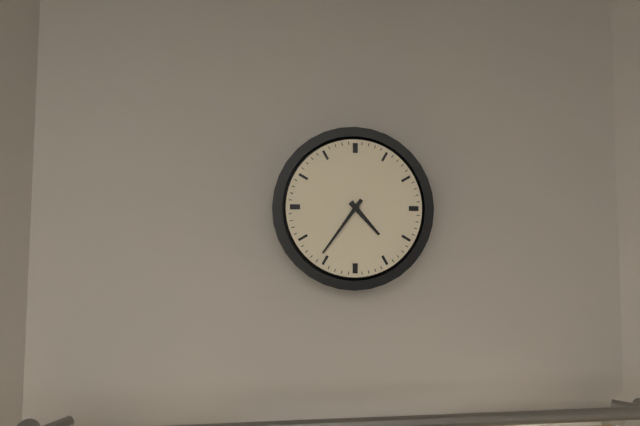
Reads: 4 h 36 min
